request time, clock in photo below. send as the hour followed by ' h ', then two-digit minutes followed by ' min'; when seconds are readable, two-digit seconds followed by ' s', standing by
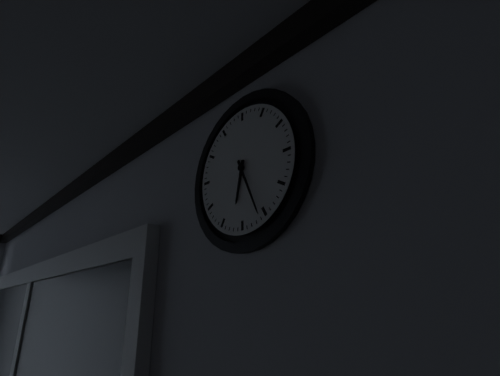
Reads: 6 h 26 min
